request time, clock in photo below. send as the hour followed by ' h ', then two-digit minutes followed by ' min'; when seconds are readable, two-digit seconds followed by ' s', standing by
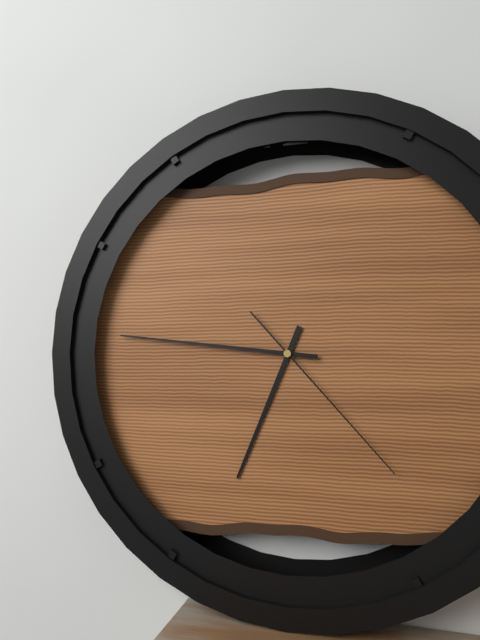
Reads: 6 h 46 min 23 s
